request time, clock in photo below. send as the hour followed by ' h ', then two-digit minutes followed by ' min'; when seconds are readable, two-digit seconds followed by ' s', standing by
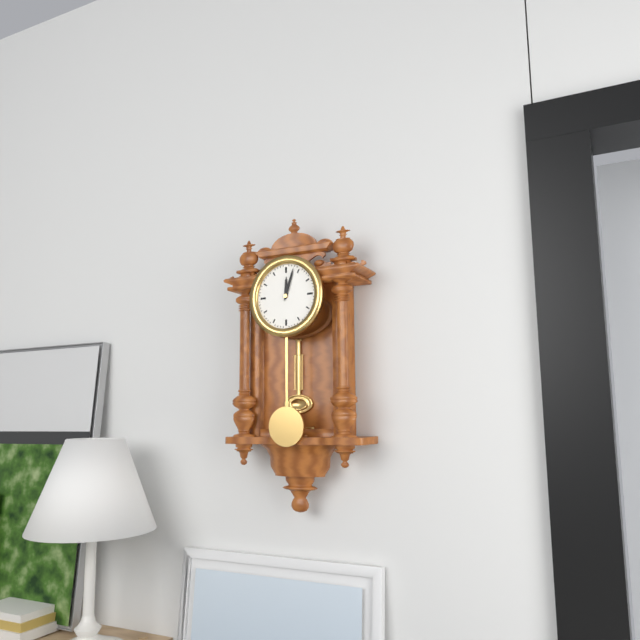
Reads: 12 h 03 min
